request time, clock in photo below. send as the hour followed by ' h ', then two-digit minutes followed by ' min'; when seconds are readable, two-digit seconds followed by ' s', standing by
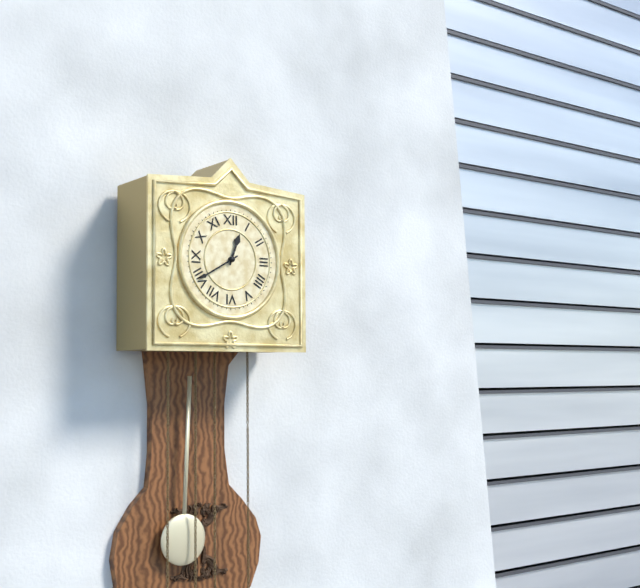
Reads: 12 h 40 min
